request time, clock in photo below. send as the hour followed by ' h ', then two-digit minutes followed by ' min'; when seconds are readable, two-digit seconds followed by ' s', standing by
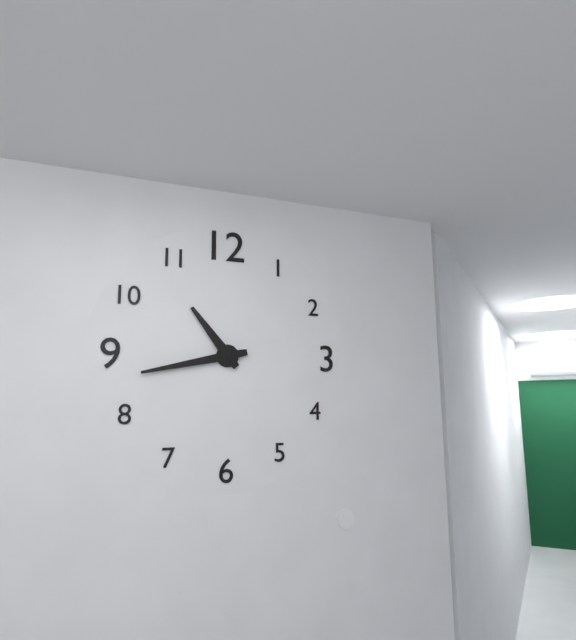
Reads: 10 h 43 min
